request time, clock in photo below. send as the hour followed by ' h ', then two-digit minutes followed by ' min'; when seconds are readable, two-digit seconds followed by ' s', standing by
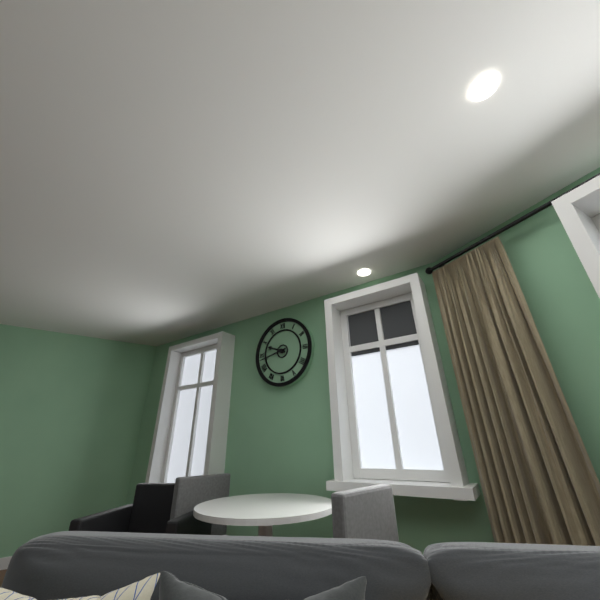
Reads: 9 h 43 min
